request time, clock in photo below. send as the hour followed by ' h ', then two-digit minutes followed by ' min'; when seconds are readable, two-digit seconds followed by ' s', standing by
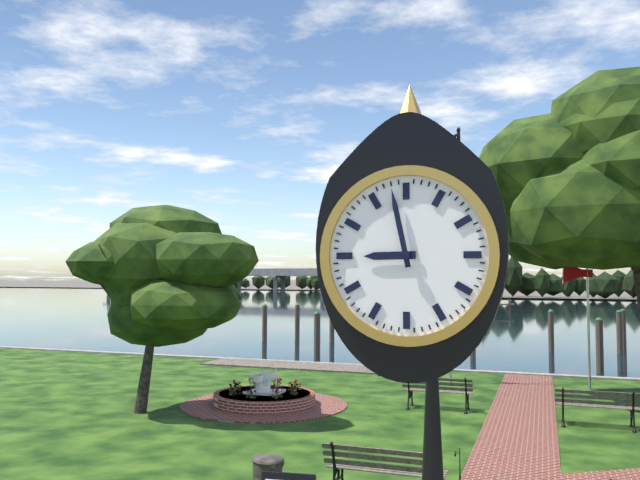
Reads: 8 h 58 min
